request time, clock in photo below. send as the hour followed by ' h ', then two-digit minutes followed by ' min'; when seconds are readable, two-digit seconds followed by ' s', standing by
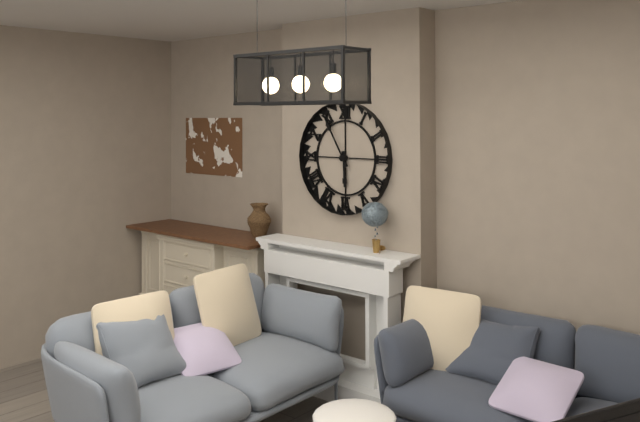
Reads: 5 h 55 min
